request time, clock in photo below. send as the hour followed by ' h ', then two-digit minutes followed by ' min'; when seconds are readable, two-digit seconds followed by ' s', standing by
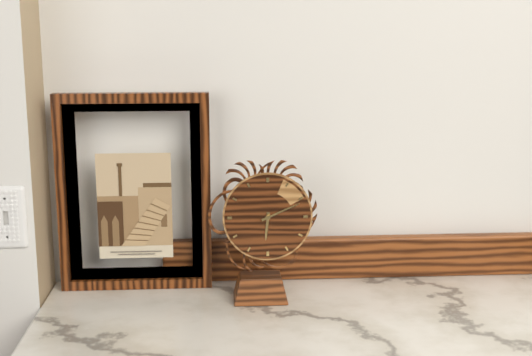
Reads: 6 h 11 min
